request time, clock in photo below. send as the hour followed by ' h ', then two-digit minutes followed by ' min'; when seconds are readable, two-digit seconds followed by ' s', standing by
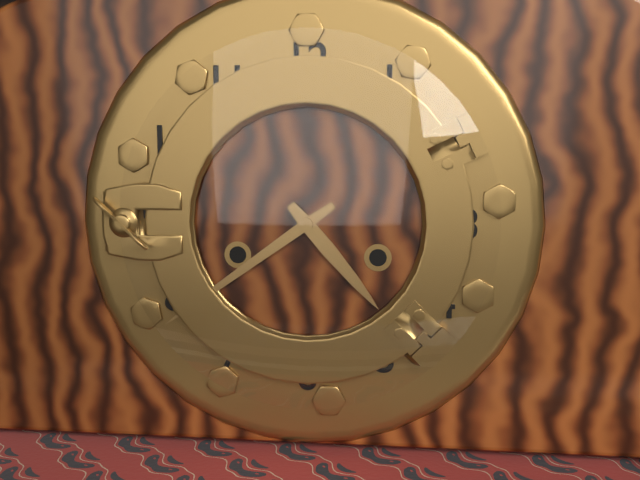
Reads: 4 h 39 min
